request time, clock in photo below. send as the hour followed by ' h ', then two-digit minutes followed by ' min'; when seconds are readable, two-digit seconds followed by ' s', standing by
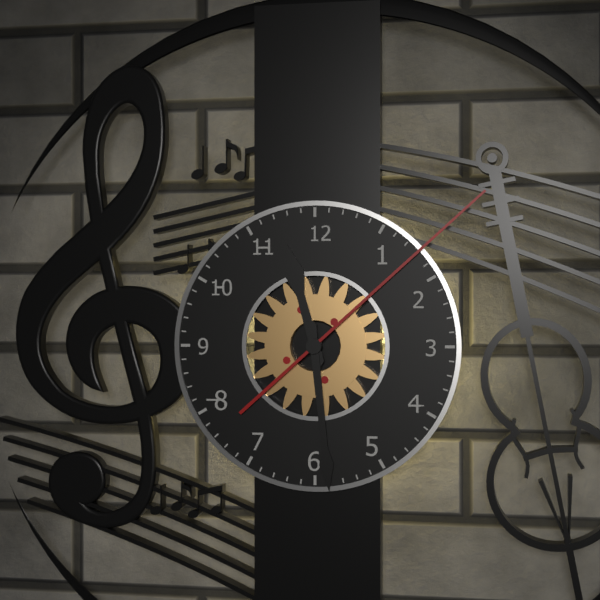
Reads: 11 h 29 min 08 s
